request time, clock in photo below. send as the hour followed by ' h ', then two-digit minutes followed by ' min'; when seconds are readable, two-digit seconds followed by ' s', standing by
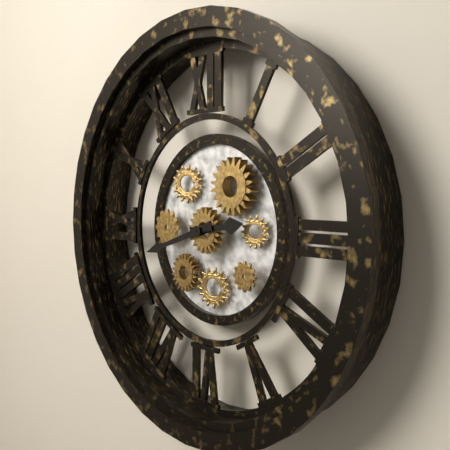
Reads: 2 h 42 min
